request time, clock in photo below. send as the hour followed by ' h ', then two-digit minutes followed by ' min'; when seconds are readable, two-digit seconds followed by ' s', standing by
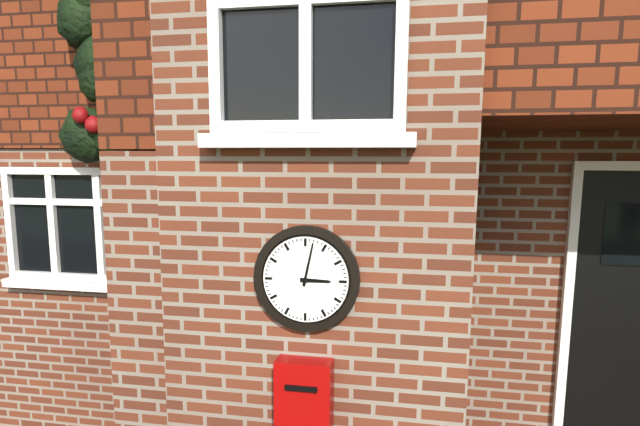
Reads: 3 h 02 min
